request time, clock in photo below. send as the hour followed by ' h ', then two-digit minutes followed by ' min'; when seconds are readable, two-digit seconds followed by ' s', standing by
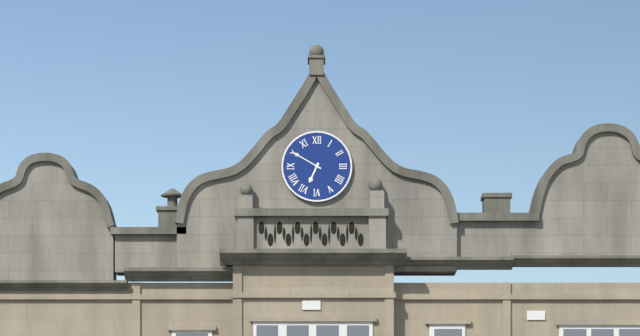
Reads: 6 h 50 min
